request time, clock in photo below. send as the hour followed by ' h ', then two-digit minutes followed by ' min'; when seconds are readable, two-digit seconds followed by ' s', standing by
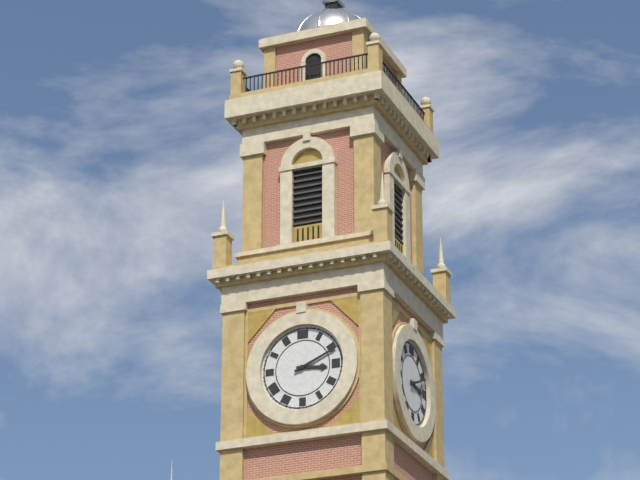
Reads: 3 h 11 min
